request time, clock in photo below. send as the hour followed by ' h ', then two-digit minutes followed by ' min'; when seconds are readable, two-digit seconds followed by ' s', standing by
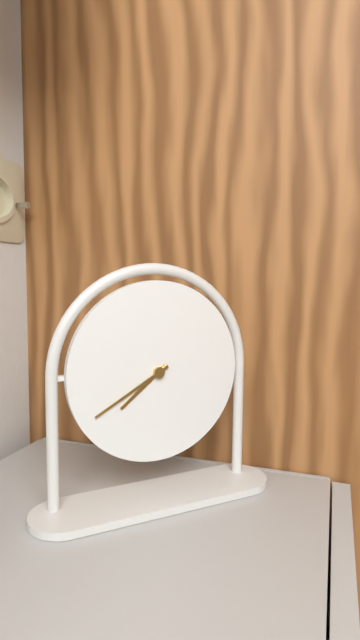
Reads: 7 h 40 min
